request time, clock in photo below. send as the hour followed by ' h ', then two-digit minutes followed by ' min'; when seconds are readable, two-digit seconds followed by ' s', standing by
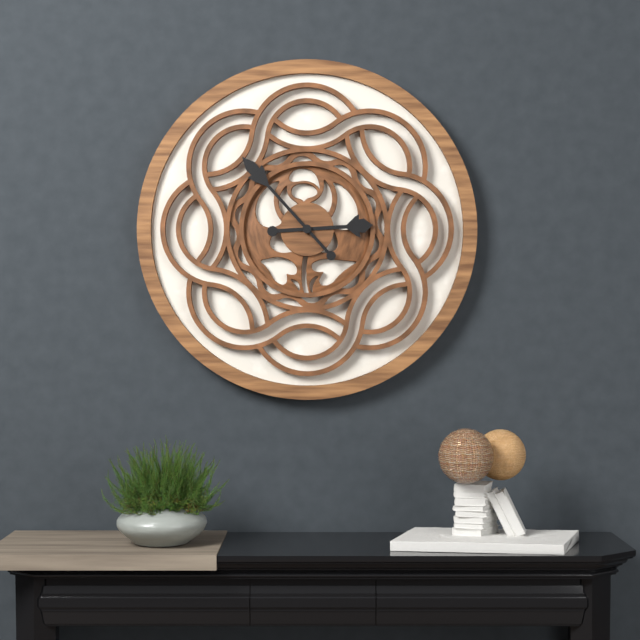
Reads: 2 h 53 min
